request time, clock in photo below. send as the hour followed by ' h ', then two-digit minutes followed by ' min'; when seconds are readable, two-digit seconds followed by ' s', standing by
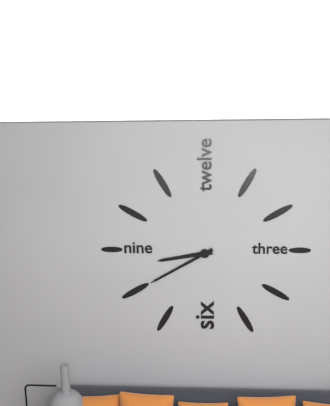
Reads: 8 h 40 min
